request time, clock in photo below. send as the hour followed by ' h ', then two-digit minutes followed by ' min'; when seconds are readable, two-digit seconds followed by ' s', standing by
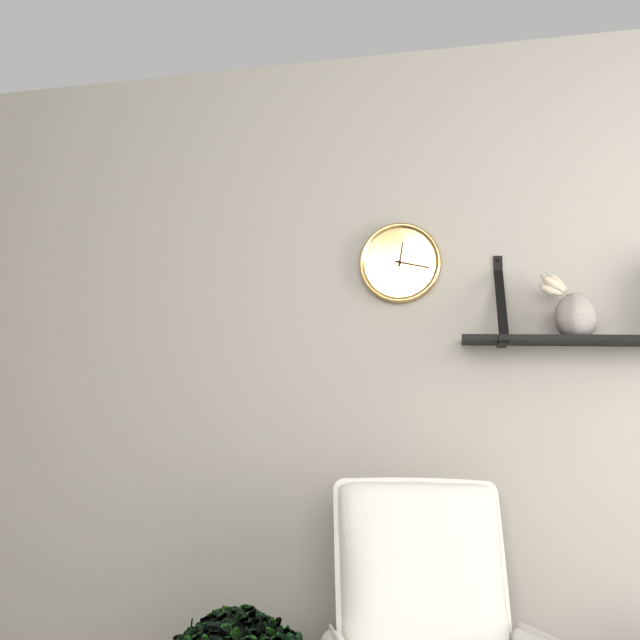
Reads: 12 h 17 min
